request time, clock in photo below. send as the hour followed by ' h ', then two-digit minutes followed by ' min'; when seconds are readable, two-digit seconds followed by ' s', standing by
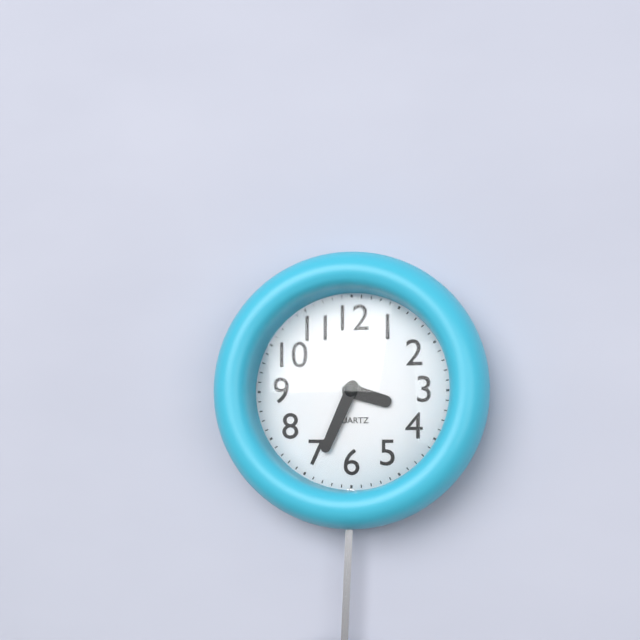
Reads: 3 h 34 min
